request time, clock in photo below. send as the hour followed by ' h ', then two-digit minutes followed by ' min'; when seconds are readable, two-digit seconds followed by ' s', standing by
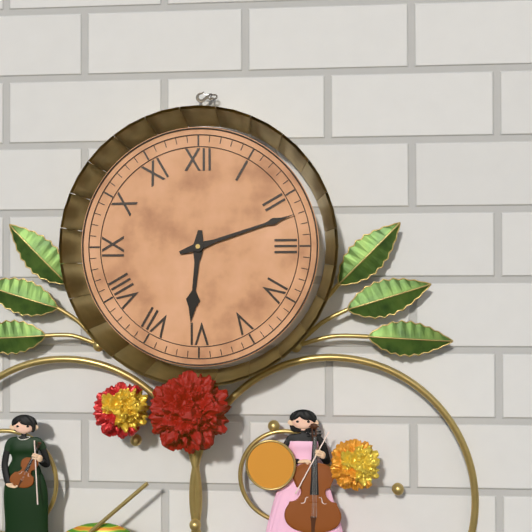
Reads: 6 h 12 min
